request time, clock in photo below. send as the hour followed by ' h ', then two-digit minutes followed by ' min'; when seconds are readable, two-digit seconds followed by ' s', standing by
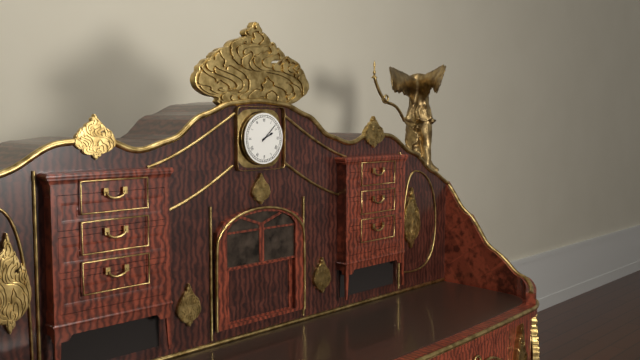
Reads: 2 h 08 min
